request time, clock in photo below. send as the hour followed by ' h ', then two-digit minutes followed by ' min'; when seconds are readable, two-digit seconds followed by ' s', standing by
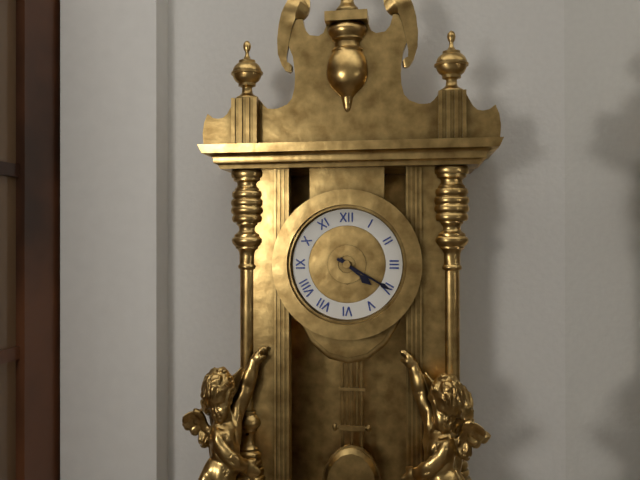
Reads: 4 h 20 min
